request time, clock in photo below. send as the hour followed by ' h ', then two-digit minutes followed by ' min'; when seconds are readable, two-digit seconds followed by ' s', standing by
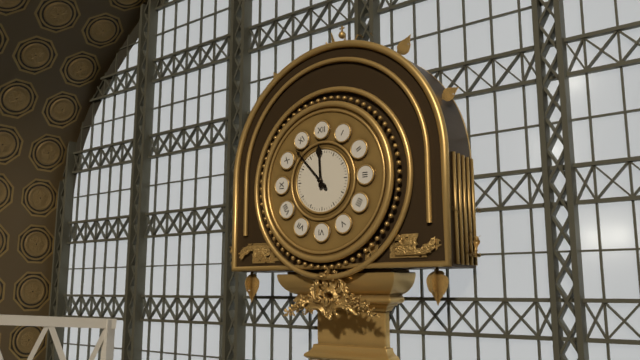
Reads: 11 h 53 min
